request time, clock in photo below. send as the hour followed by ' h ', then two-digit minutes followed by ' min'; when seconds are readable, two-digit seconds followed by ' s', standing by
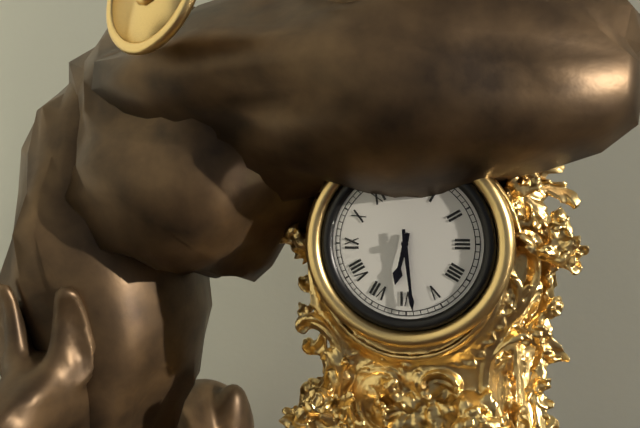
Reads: 6 h 29 min
